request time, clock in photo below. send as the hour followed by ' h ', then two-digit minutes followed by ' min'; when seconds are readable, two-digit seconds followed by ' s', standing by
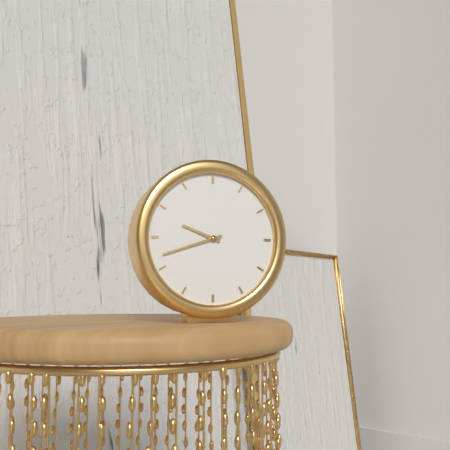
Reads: 9 h 42 min
